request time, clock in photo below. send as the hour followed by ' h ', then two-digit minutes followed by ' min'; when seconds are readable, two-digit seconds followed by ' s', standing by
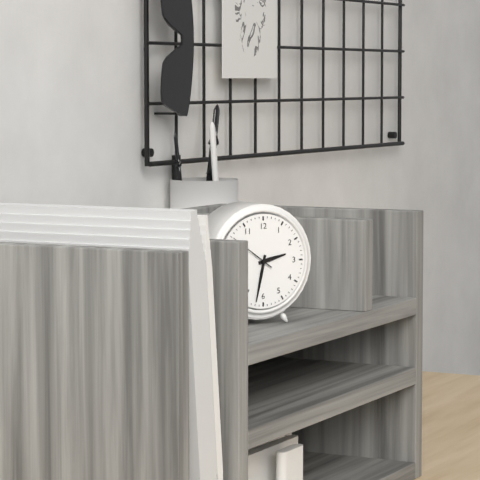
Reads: 2 h 32 min
